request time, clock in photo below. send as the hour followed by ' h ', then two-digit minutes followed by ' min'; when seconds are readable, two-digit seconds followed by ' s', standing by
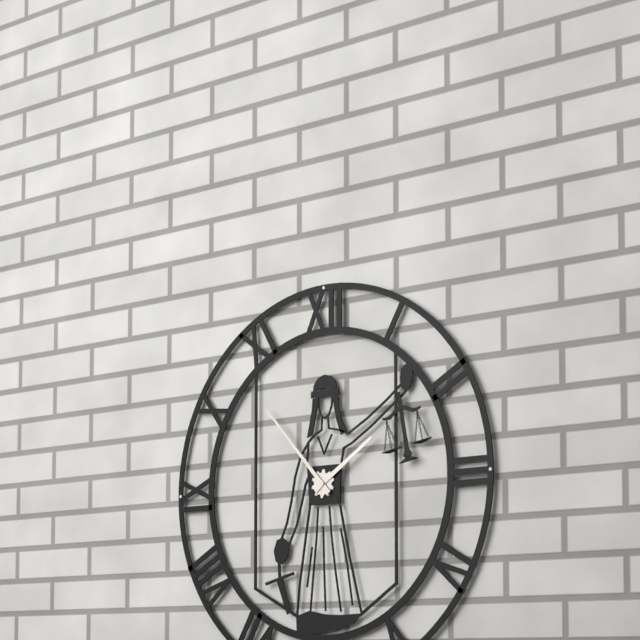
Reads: 1 h 53 min
